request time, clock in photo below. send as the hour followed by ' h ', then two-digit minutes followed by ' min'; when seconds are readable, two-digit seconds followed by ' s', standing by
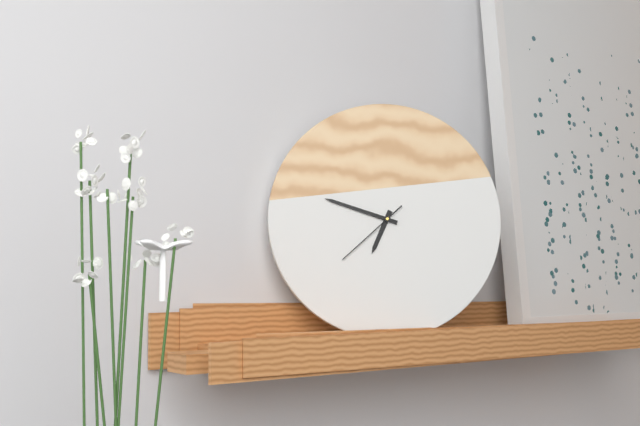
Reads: 6 h 48 min 38 s
